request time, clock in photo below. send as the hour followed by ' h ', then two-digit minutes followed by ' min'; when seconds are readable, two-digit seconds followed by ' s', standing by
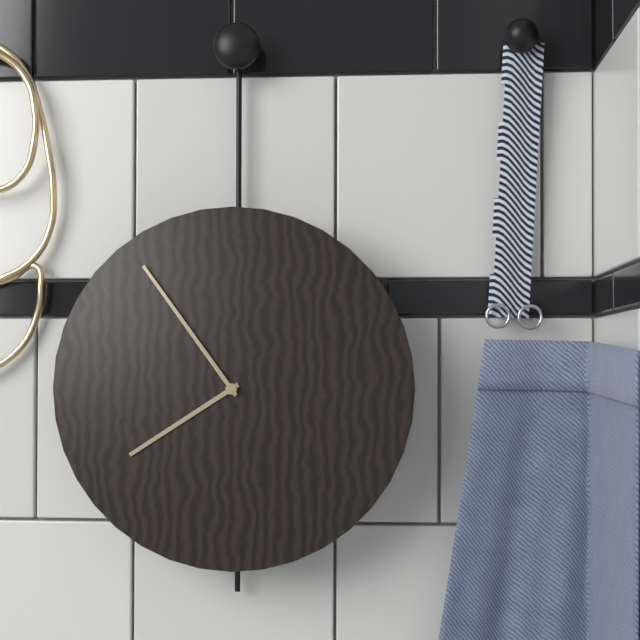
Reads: 7 h 54 min
